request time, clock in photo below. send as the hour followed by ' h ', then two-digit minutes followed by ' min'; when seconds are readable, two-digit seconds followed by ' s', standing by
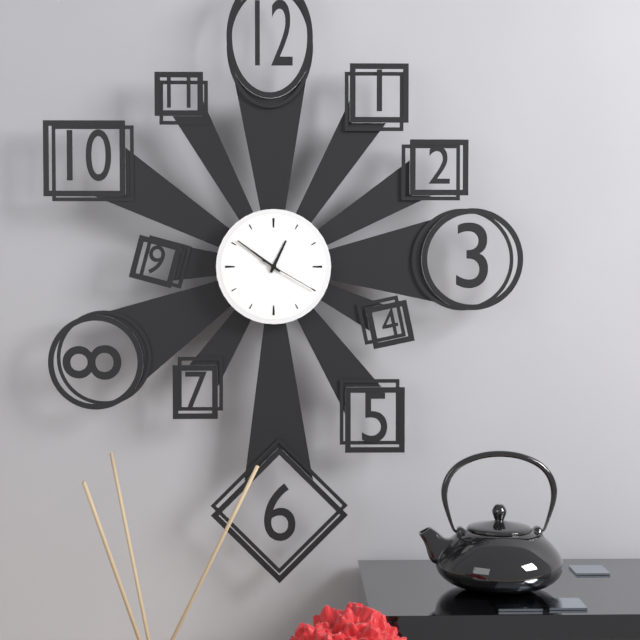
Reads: 12 h 51 min 20 s
